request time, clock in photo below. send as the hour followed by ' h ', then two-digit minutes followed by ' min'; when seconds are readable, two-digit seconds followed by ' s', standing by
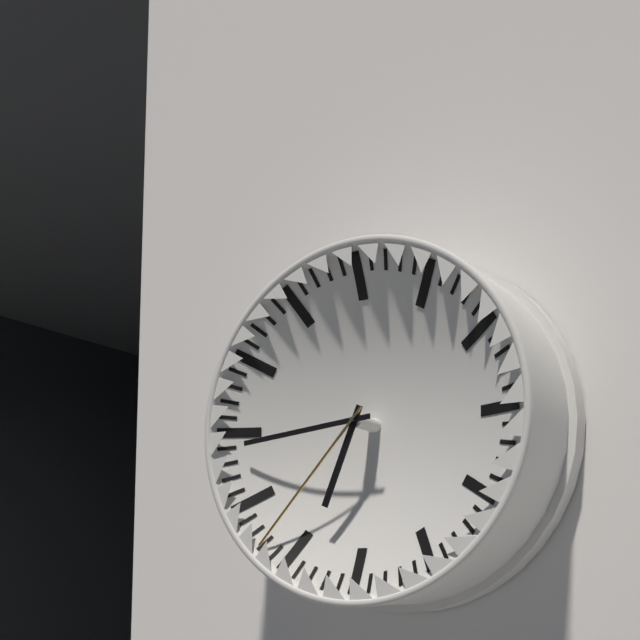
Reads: 6 h 44 min 37 s
